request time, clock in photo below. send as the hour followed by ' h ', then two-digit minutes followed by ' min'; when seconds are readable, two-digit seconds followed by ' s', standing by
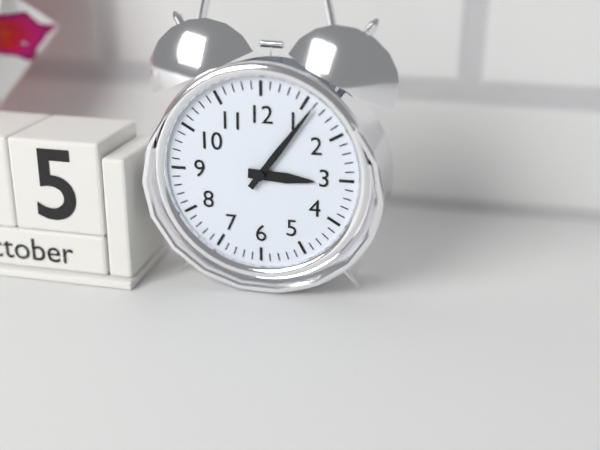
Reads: 3 h 06 min
